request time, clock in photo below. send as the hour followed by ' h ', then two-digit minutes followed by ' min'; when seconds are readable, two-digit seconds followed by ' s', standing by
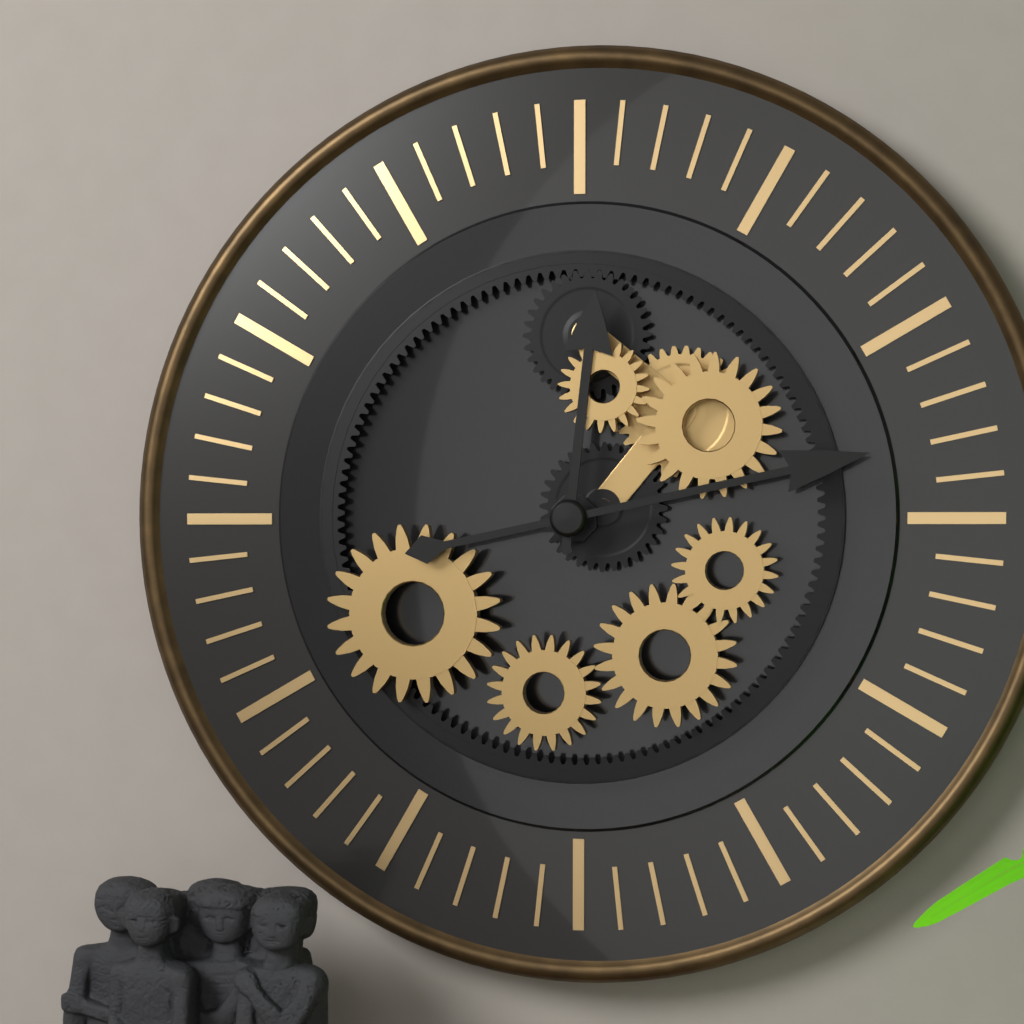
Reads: 12 h 13 min
